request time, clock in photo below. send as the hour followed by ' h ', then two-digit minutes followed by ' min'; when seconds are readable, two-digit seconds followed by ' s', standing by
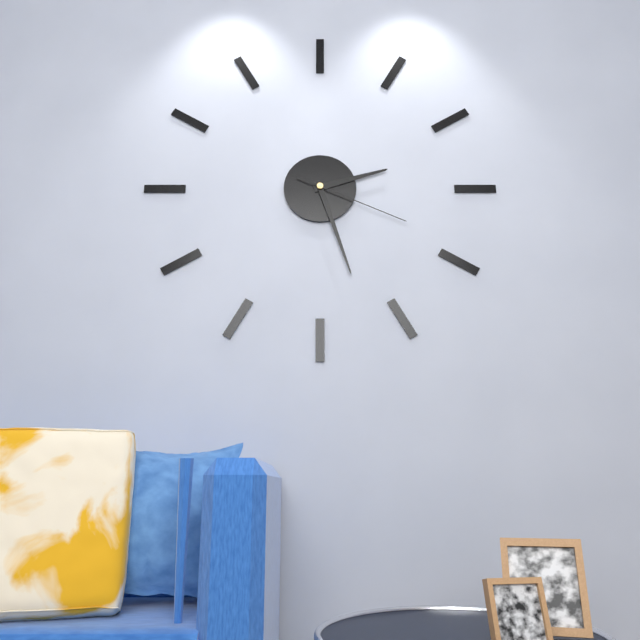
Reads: 2 h 27 min 19 s
